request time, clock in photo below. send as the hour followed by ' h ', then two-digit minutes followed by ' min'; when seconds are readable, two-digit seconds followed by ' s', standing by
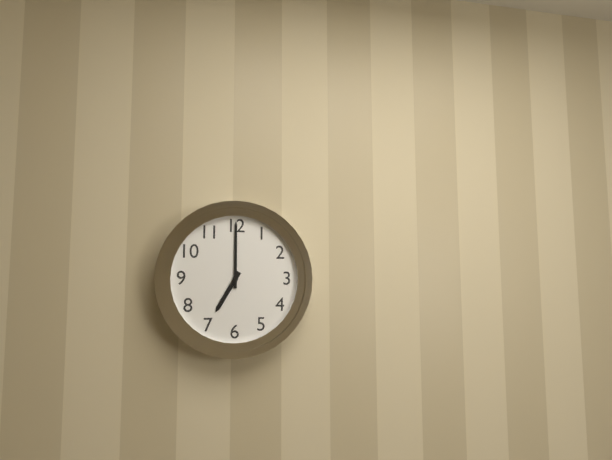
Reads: 7 h 00 min
